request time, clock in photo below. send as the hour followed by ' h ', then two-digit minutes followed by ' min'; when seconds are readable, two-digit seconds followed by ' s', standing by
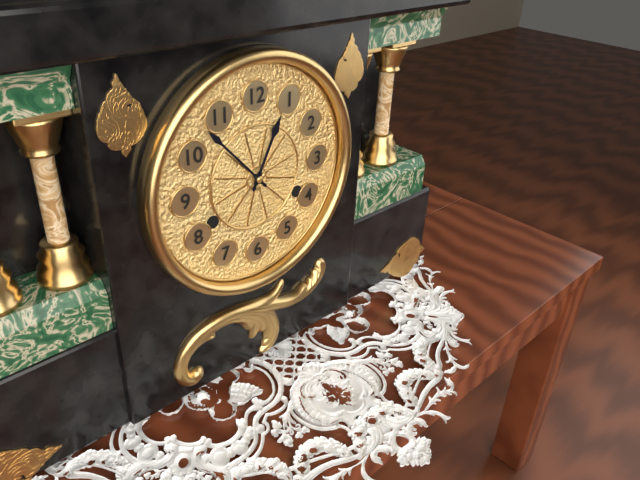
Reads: 12 h 53 min
